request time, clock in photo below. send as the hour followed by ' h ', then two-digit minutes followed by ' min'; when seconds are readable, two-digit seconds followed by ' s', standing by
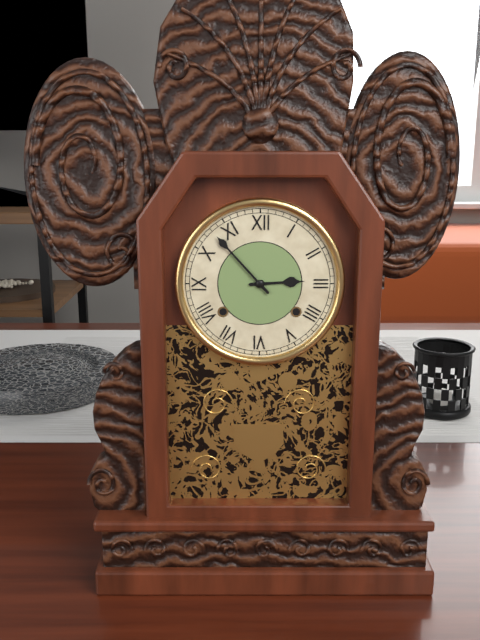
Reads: 2 h 53 min
